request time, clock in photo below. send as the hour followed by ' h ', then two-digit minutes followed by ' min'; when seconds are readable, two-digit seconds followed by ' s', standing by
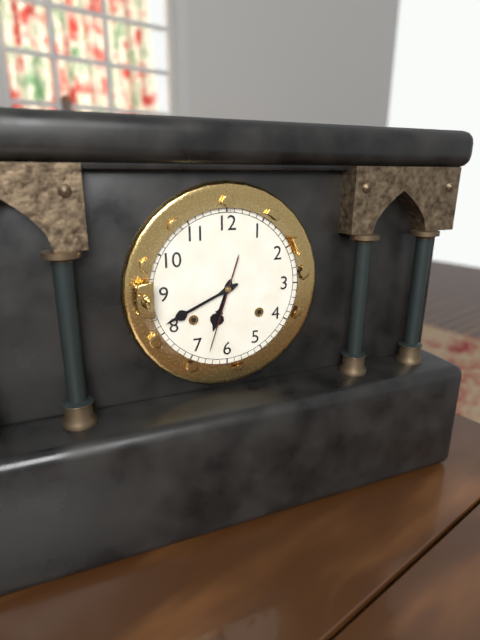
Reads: 6 h 41 min 33 s
